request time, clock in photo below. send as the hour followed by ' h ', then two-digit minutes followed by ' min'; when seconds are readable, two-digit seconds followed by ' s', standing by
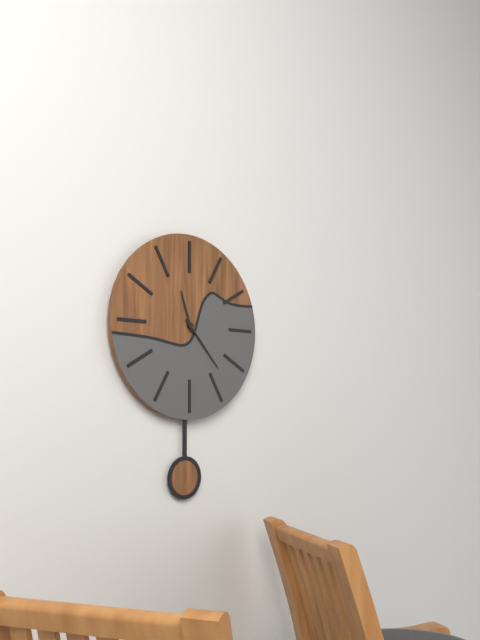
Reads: 11 h 23 min
